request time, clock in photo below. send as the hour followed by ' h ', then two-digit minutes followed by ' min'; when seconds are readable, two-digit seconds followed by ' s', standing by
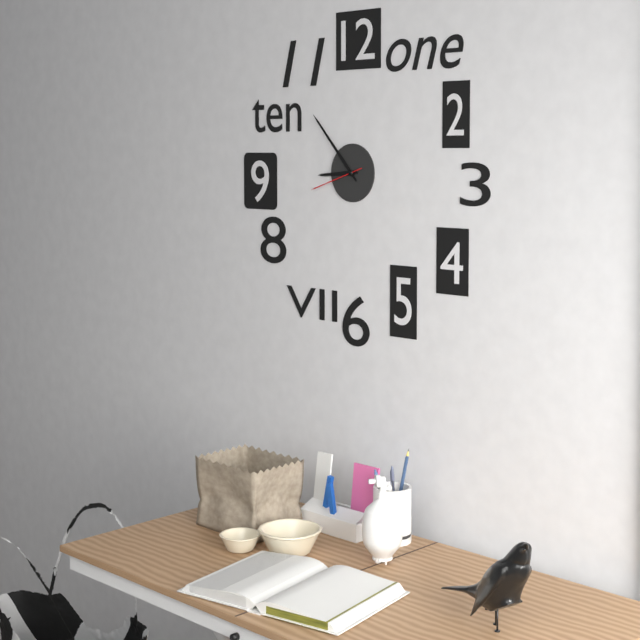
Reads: 8 h 53 min 42 s
